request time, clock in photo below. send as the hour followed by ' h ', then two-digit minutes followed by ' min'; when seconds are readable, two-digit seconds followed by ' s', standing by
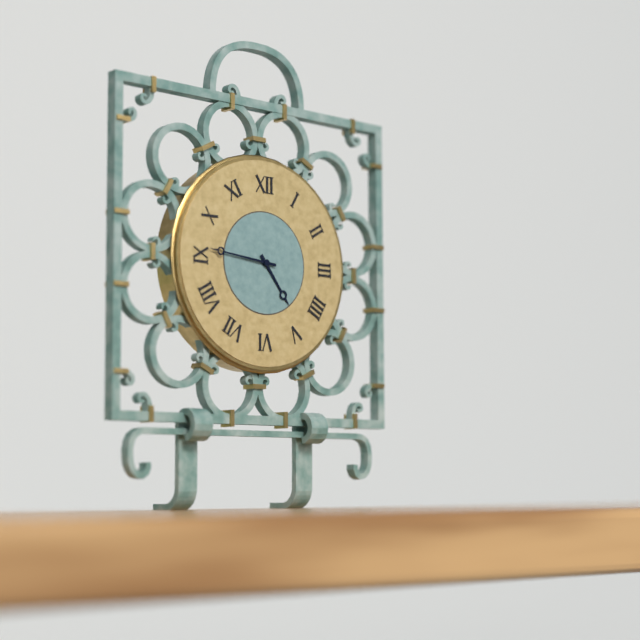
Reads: 4 h 46 min
